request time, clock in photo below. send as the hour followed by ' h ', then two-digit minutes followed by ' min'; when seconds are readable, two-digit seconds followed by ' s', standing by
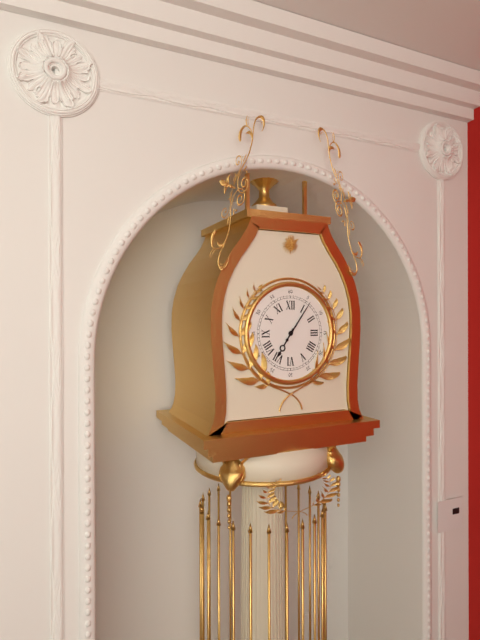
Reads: 7 h 06 min
